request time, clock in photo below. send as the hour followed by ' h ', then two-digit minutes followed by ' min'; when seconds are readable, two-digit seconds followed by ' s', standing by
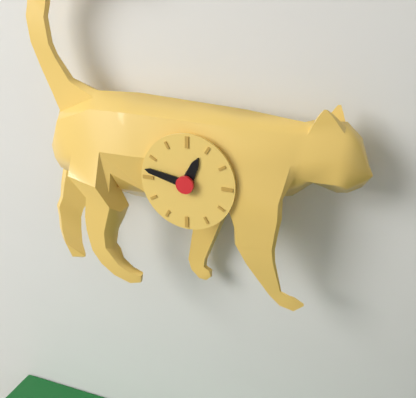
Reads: 12 h 47 min
